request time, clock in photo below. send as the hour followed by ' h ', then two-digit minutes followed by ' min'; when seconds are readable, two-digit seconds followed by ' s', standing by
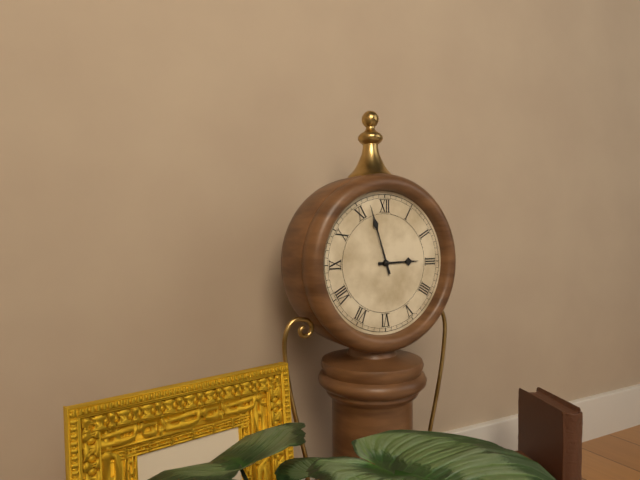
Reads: 2 h 57 min
